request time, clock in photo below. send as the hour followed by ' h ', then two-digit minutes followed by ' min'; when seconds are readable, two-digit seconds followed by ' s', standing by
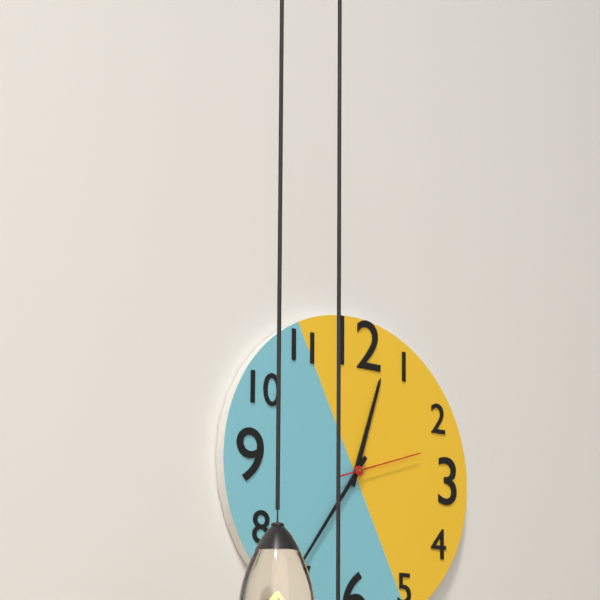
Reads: 12 h 36 min 12 s
